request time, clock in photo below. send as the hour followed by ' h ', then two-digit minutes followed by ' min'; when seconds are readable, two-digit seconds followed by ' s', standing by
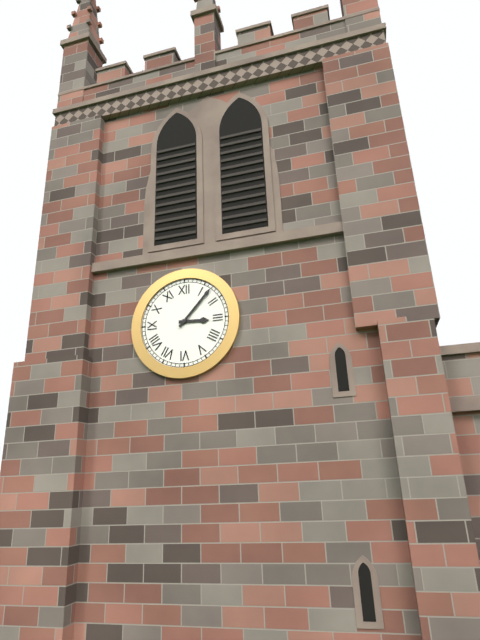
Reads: 3 h 07 min
